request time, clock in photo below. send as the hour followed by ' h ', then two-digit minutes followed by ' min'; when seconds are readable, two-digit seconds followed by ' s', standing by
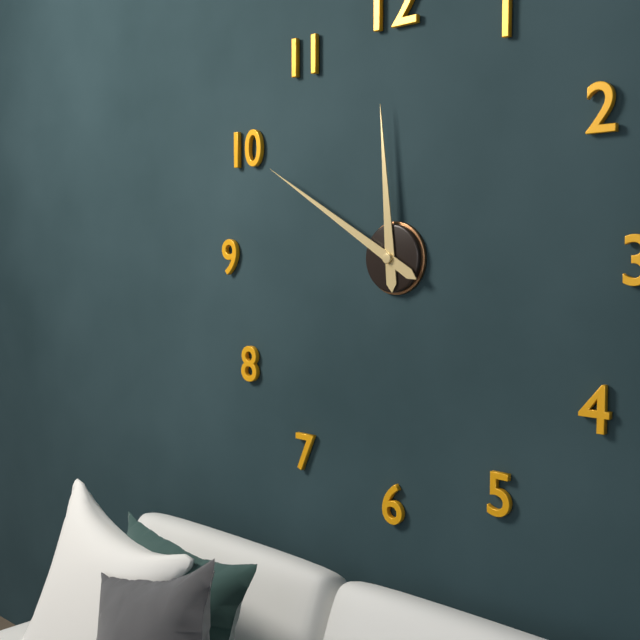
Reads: 11 h 50 min
